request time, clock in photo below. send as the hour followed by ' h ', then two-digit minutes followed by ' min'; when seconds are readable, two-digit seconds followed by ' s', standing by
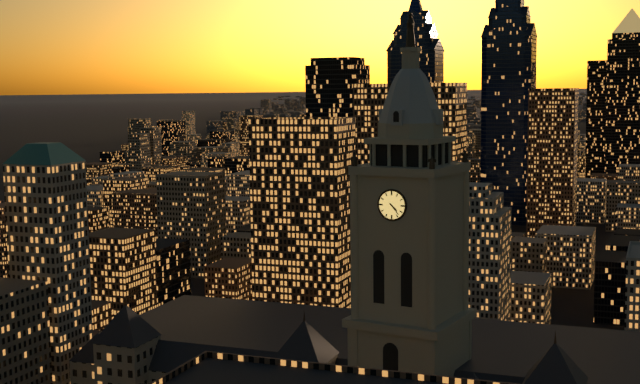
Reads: 4 h 23 min
